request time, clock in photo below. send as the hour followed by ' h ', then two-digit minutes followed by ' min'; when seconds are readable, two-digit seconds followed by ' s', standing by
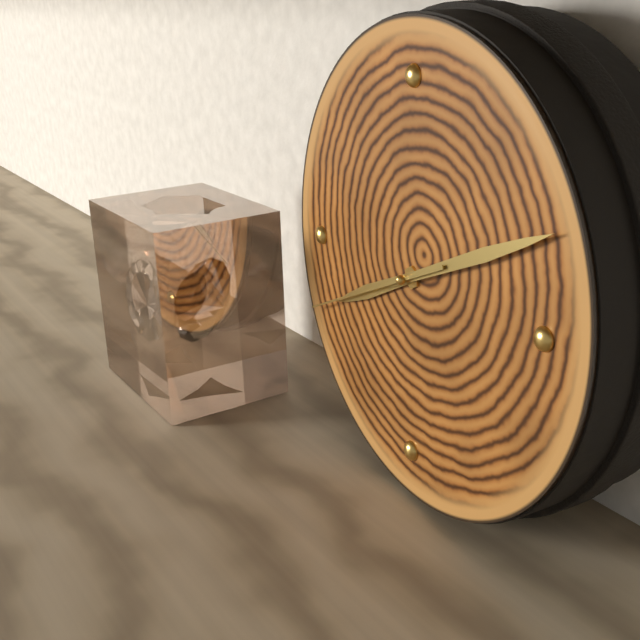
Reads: 8 h 11 min 41 s
